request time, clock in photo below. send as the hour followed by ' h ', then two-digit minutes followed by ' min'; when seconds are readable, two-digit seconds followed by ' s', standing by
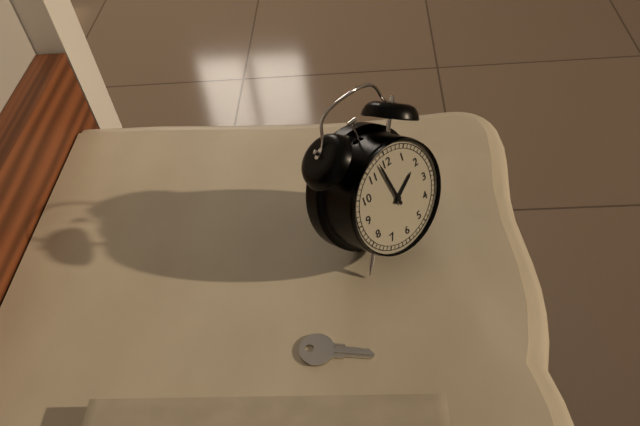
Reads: 1 h 58 min
